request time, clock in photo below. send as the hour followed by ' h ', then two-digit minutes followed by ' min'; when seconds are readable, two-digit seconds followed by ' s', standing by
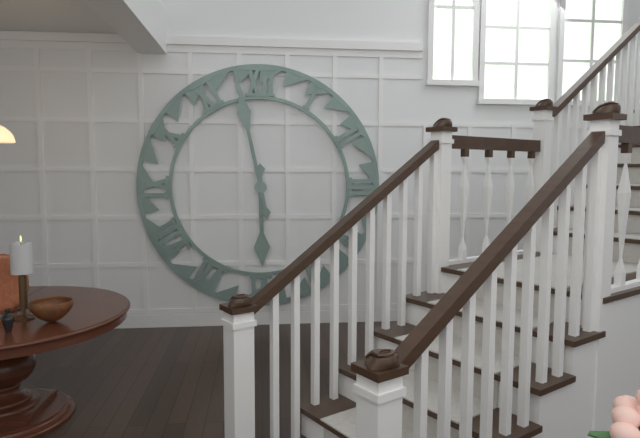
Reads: 5 h 58 min
